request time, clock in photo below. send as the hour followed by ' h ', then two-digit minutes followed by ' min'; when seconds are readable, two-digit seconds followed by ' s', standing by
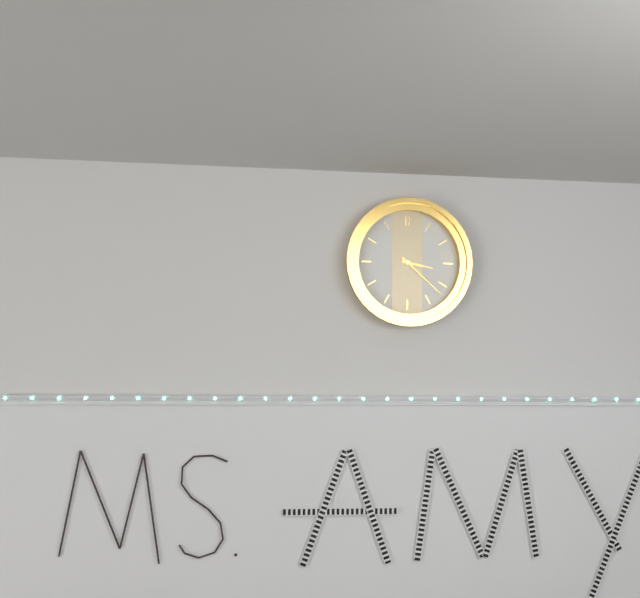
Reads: 3 h 22 min
